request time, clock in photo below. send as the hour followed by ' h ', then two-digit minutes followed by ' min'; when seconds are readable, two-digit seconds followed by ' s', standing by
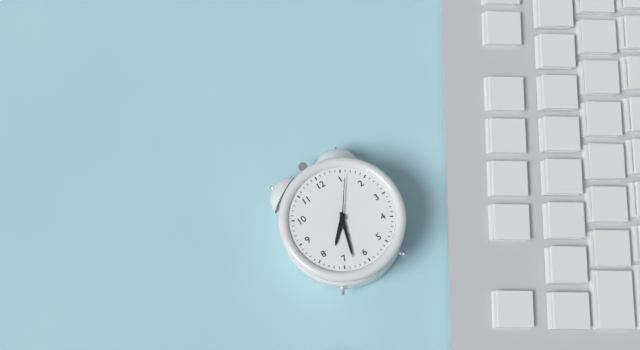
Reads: 7 h 33 min 06 s
